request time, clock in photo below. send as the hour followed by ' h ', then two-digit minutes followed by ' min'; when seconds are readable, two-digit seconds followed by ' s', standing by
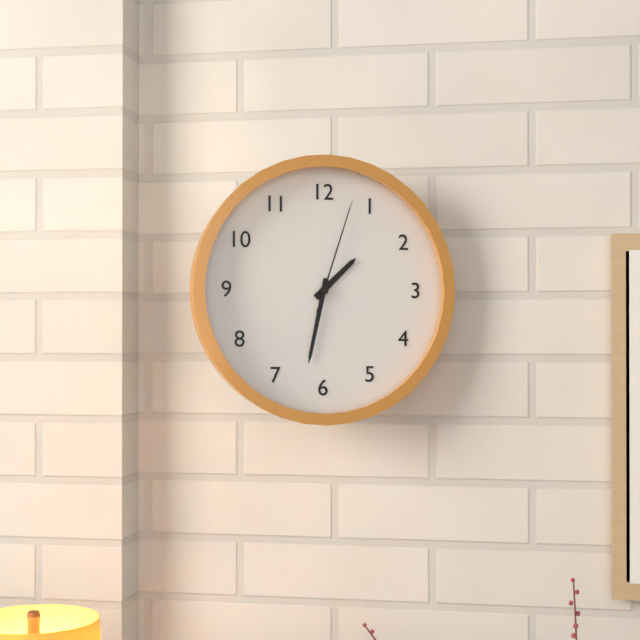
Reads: 1 h 32 min 03 s
